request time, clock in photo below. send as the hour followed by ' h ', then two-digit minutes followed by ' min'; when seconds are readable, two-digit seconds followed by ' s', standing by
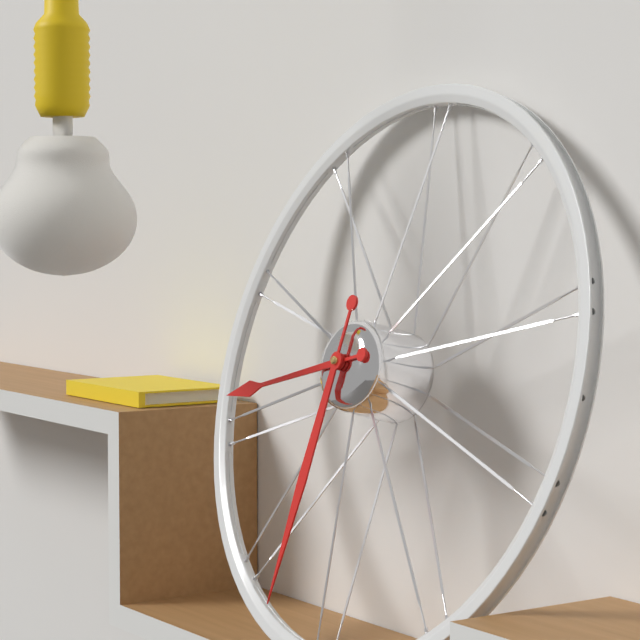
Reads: 8 h 31 min
